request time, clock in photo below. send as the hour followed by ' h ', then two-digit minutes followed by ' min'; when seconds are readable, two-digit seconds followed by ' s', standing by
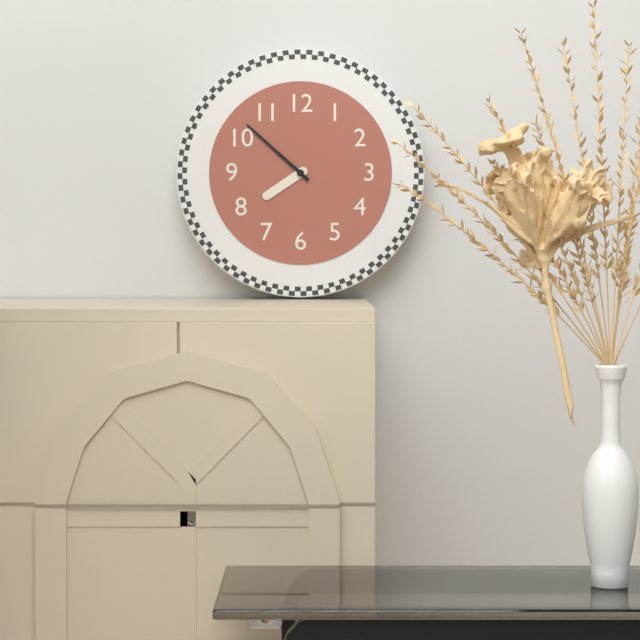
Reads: 7 h 52 min
